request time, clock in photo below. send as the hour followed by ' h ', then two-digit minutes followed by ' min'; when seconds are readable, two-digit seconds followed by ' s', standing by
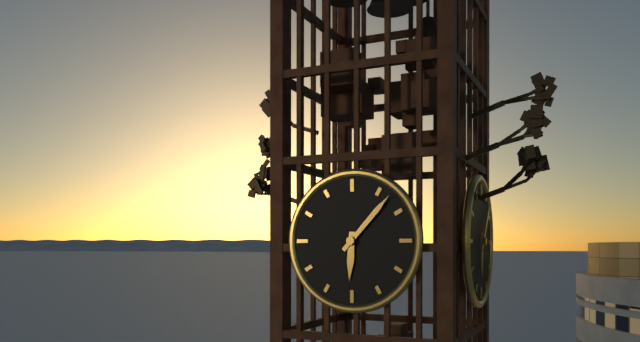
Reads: 6 h 07 min
